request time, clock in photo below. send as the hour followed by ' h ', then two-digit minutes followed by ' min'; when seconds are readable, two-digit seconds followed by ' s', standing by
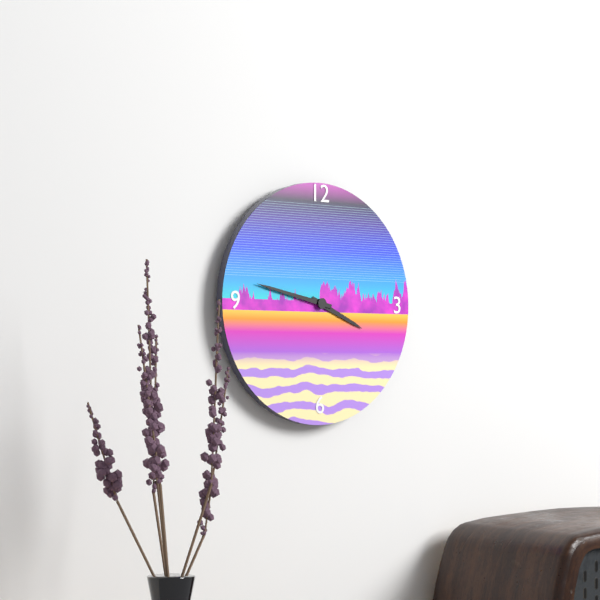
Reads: 3 h 47 min
